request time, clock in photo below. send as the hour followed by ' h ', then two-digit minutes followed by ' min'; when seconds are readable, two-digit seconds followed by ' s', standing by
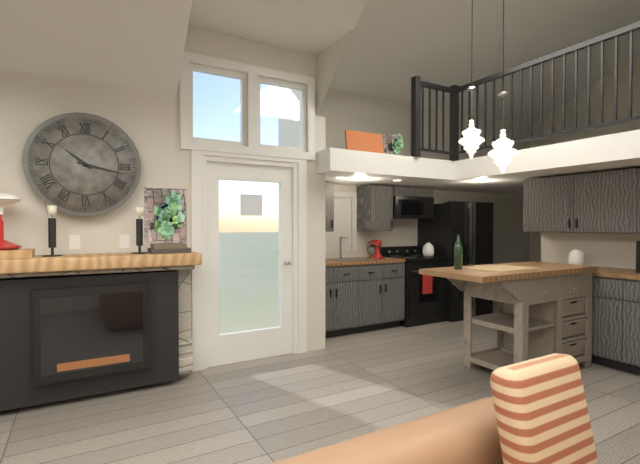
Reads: 10 h 17 min
